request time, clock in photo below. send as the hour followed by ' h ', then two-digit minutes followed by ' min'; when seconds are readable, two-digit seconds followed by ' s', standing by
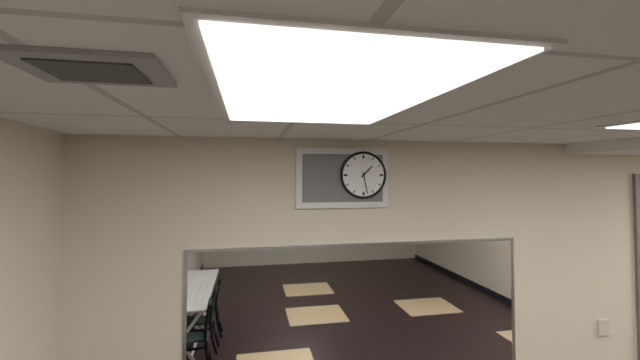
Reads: 1 h 28 min
